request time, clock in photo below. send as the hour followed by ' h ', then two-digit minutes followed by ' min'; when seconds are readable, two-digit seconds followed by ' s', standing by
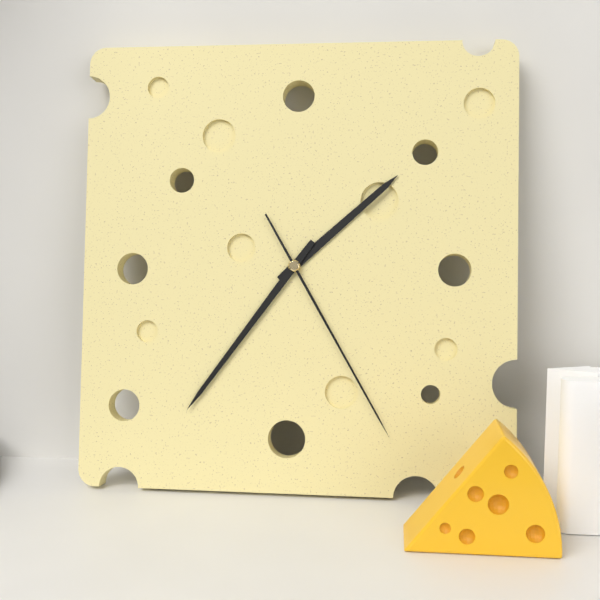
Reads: 1 h 36 min 25 s
